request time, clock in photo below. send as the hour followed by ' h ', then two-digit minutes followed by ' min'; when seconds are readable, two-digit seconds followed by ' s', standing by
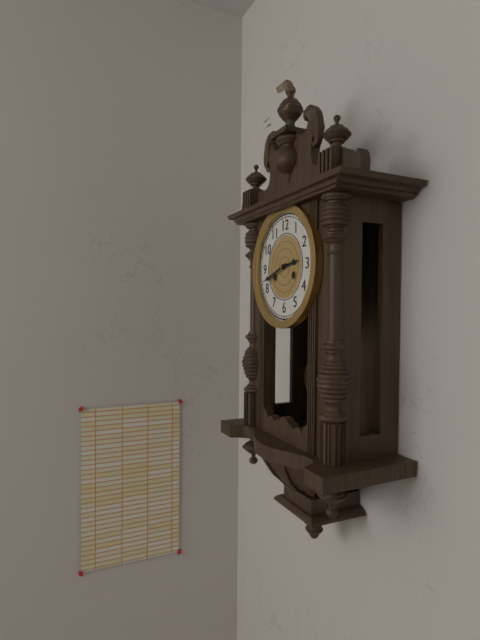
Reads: 2 h 42 min
